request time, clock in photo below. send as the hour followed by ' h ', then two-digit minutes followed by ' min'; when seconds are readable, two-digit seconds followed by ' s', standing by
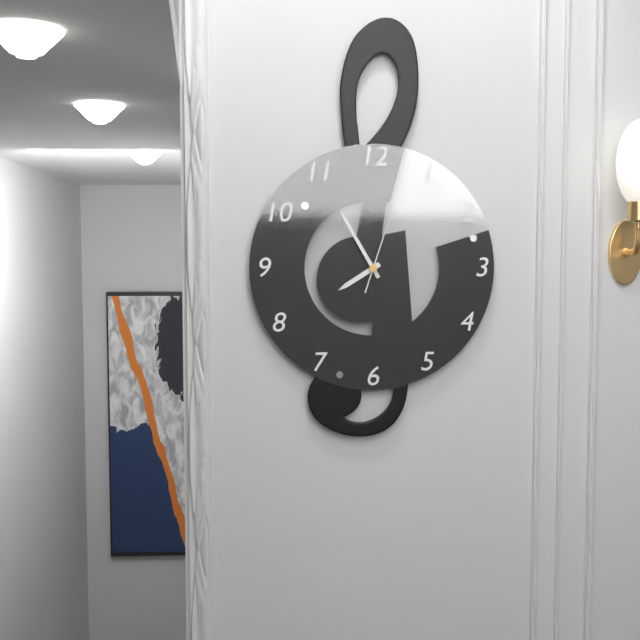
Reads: 7 h 55 min 03 s
